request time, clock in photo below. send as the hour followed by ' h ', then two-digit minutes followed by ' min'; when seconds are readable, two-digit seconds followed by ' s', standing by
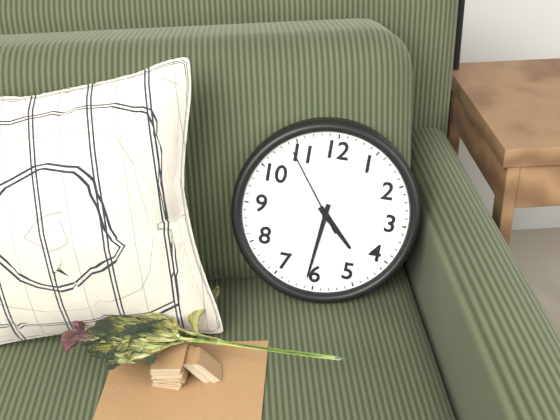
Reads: 4 h 31 min 54 s
